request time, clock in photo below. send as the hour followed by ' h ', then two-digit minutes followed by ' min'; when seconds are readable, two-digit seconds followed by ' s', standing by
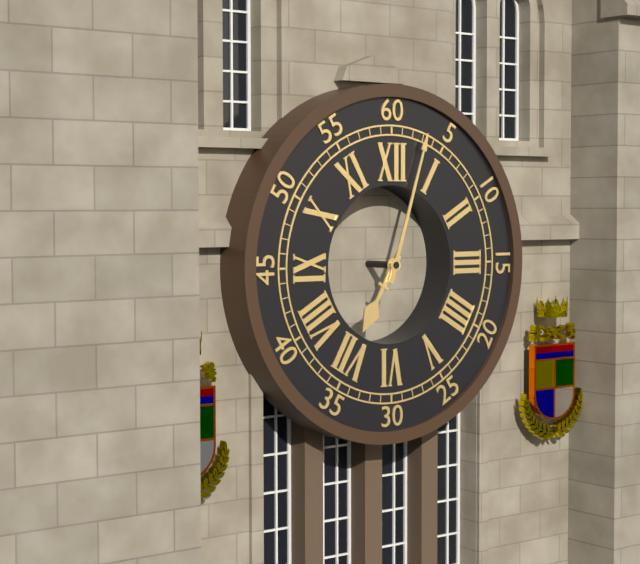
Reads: 7 h 03 min
